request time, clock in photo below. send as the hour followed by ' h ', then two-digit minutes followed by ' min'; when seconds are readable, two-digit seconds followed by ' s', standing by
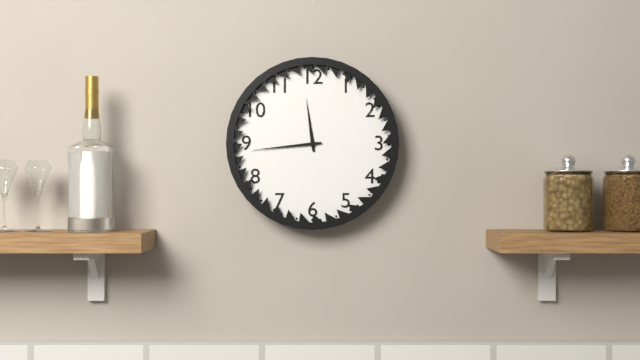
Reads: 11 h 44 min
